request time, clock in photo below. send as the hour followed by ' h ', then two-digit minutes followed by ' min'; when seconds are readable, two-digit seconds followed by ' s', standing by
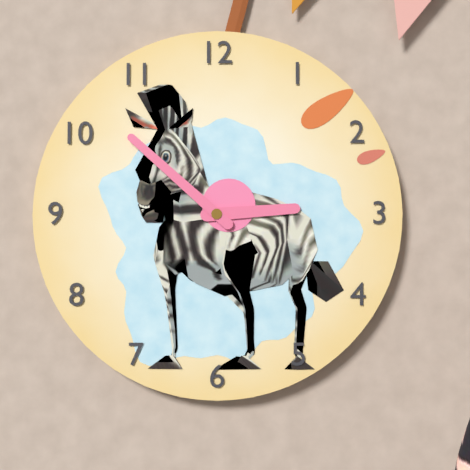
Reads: 2 h 52 min
